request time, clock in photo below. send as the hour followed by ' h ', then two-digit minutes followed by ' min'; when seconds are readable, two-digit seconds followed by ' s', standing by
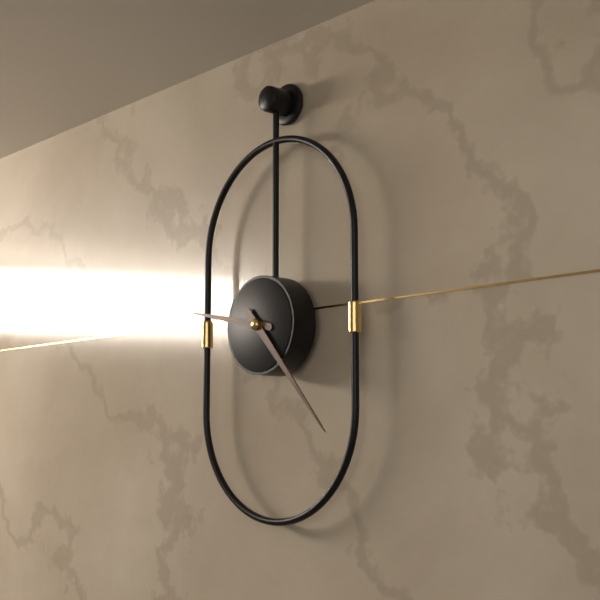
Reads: 9 h 23 min
